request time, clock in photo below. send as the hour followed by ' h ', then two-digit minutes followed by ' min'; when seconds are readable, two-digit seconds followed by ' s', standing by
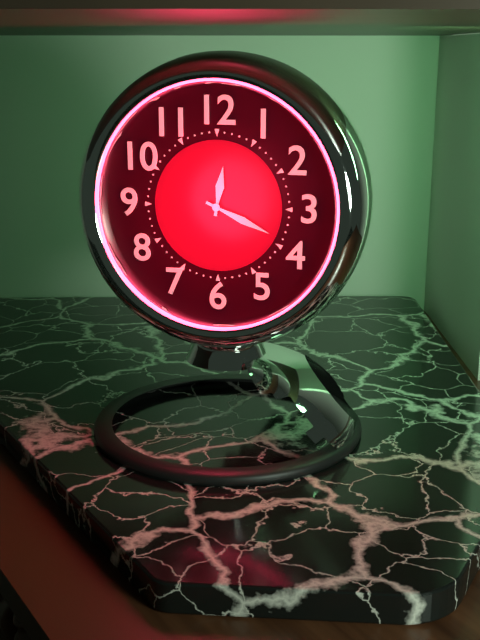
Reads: 12 h 19 min
